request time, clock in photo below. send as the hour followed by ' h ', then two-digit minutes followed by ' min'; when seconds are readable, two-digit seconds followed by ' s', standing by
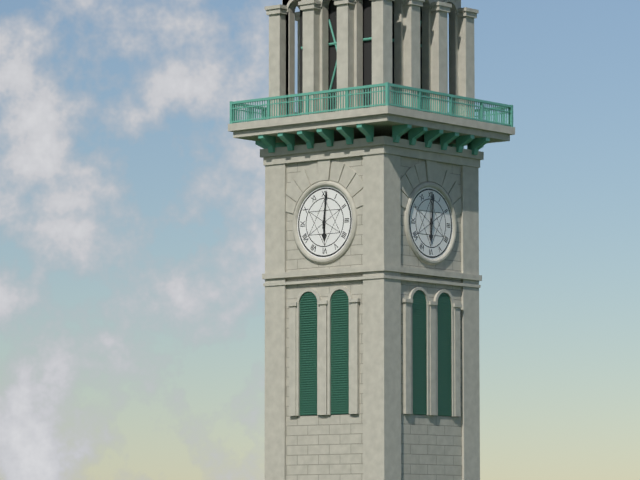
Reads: 6 h 01 min
